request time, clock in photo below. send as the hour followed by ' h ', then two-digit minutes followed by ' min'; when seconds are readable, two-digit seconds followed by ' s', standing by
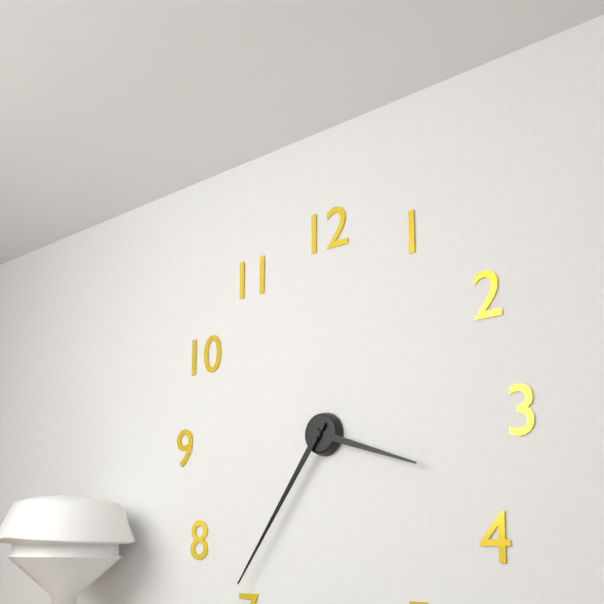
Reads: 3 h 36 min
